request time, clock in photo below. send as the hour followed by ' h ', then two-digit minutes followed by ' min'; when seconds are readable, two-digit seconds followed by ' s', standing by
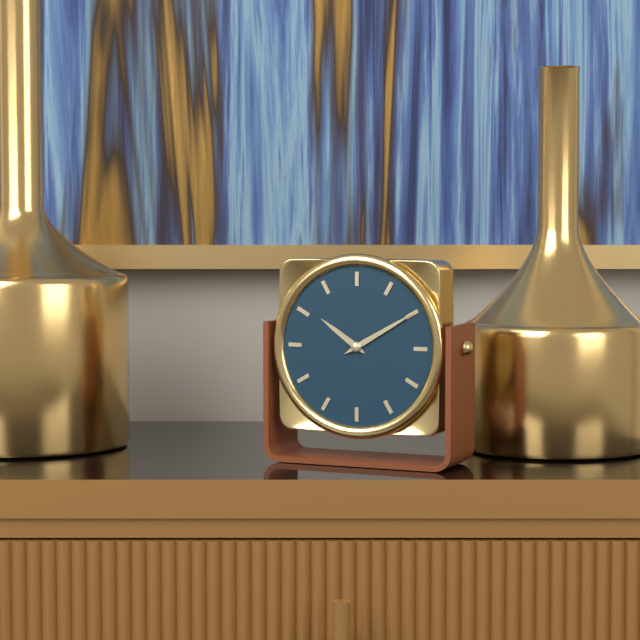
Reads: 10 h 10 min
